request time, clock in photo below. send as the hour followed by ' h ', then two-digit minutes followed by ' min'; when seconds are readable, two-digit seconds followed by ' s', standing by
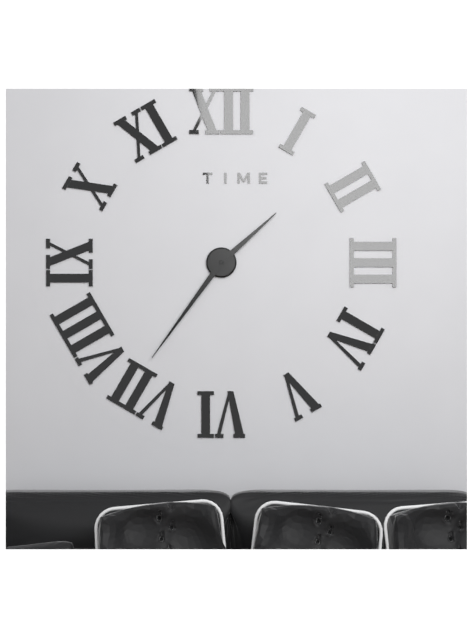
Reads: 1 h 36 min
